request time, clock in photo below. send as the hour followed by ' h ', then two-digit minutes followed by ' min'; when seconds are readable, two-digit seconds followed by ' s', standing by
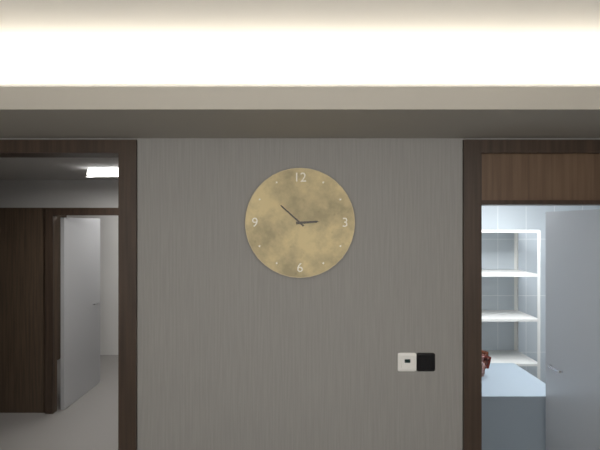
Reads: 2 h 52 min
